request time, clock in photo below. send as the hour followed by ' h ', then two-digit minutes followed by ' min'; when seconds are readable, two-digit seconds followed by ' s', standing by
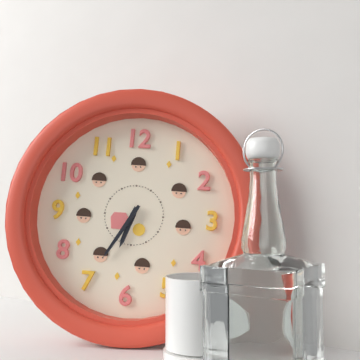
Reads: 6 h 35 min
